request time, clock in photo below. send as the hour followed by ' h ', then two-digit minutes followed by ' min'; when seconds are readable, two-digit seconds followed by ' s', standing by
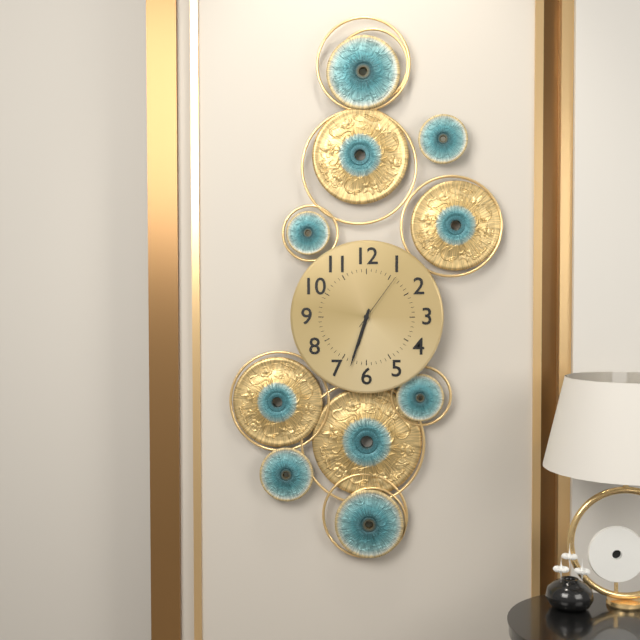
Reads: 6 h 33 min 06 s
